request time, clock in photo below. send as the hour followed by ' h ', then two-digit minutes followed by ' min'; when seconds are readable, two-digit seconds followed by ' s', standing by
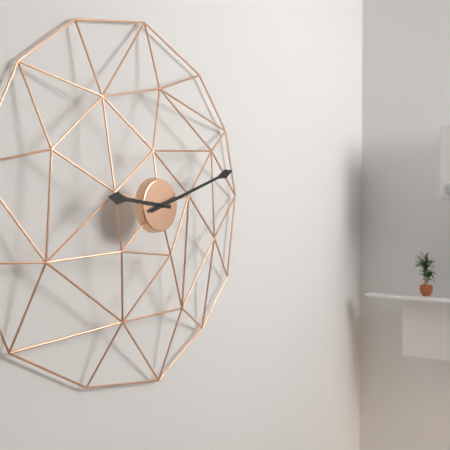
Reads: 9 h 12 min
